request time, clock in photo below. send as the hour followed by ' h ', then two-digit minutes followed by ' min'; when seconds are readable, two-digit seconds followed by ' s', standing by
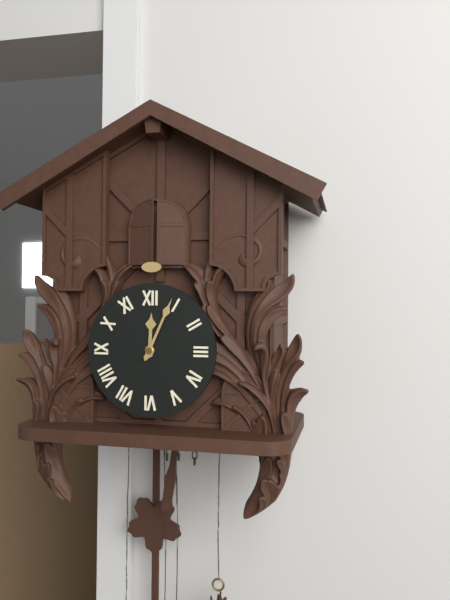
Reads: 12 h 04 min
